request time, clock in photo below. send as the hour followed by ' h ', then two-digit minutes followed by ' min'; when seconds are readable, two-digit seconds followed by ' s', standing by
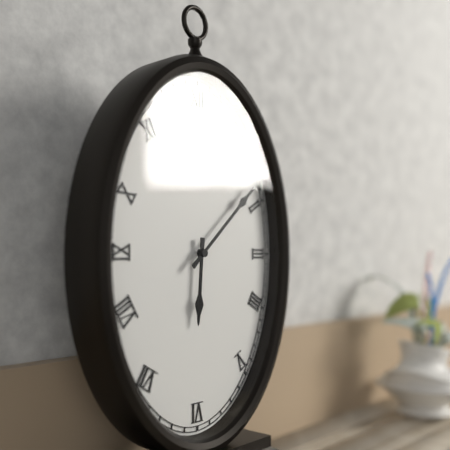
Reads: 6 h 08 min
